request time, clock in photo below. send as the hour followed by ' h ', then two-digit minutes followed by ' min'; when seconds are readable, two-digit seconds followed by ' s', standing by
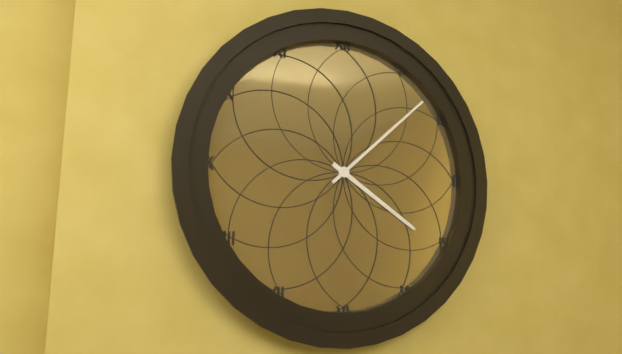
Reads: 4 h 08 min
